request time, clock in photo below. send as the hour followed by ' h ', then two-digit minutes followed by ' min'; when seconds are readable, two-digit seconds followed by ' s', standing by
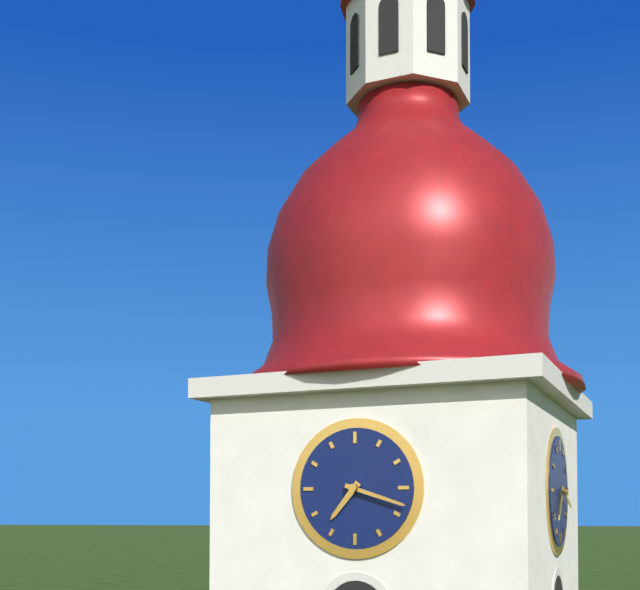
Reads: 7 h 18 min
